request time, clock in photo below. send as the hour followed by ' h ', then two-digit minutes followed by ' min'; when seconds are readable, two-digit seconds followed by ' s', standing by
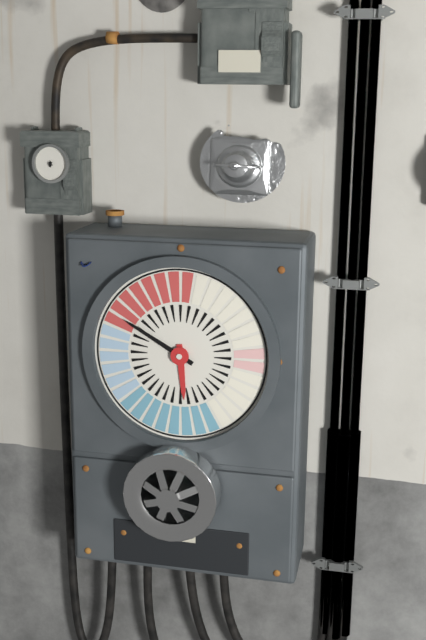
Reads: 5 h 50 min
